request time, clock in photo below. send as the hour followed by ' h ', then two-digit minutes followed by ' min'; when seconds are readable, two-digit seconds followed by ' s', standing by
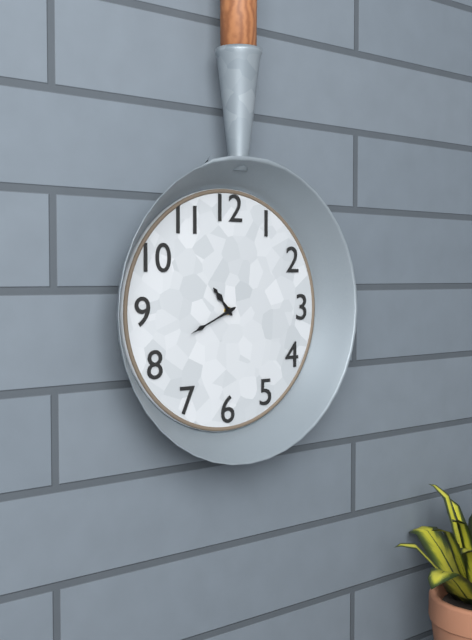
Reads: 10 h 41 min
